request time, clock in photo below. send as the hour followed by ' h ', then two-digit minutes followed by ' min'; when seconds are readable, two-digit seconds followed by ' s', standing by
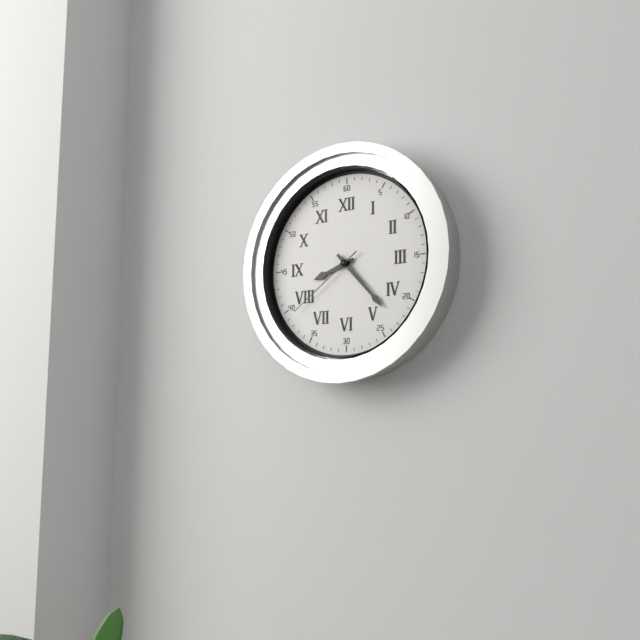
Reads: 8 h 23 min 39 s
